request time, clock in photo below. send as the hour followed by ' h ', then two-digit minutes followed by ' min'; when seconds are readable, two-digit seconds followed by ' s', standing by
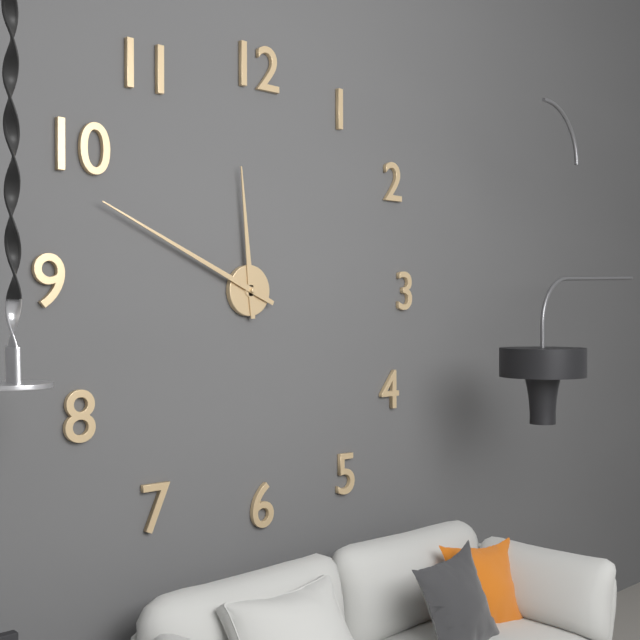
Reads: 11 h 49 min
